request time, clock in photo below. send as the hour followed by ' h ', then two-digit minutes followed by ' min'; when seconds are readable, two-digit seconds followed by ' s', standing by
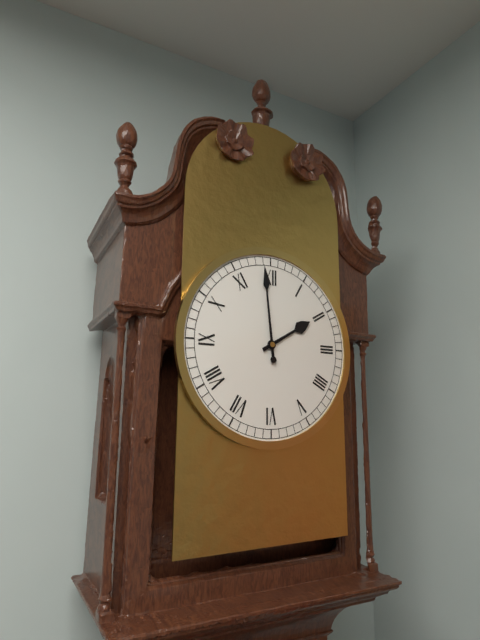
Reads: 1 h 59 min
